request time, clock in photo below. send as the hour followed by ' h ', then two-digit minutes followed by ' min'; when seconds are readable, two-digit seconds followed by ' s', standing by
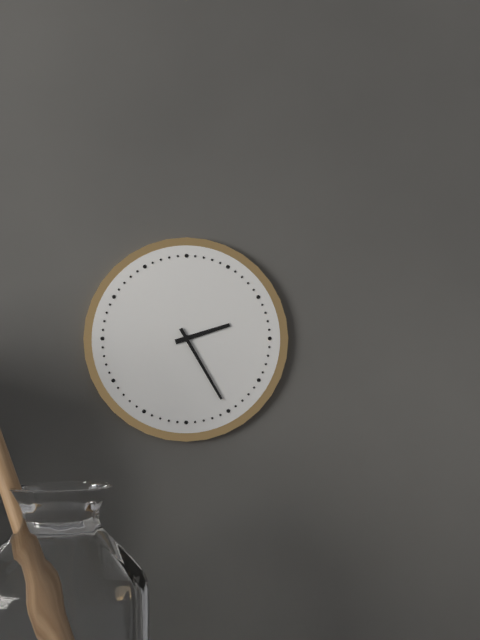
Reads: 2 h 25 min
